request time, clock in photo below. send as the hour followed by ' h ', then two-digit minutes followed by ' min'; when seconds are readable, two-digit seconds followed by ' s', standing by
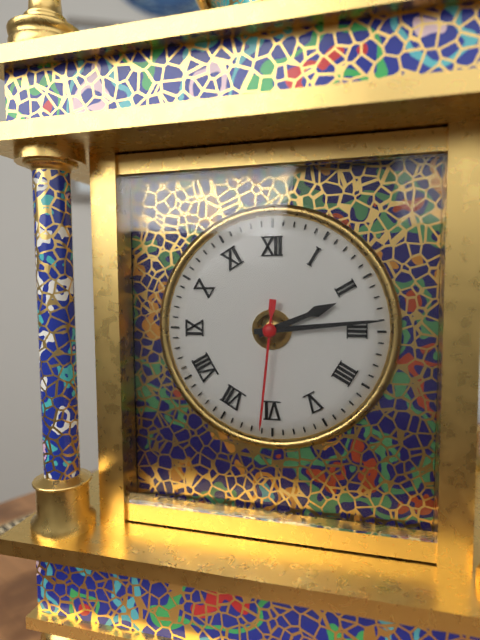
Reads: 2 h 14 min 31 s
